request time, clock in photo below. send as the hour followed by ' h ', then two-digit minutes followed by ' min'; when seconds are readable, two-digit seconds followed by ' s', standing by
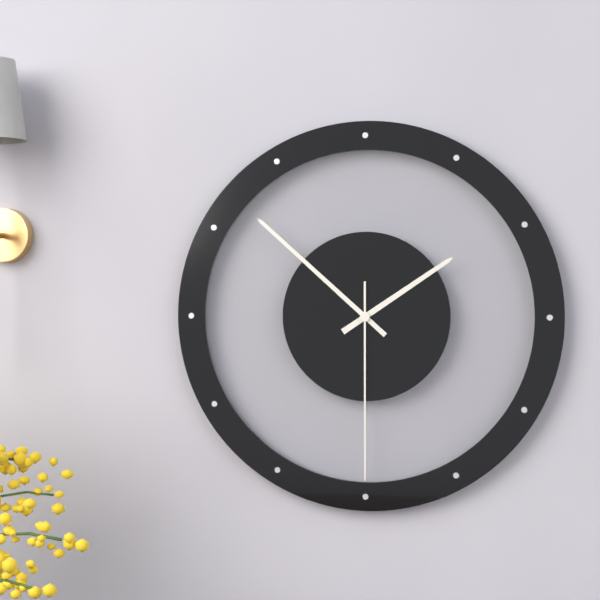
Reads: 1 h 52 min 30 s
